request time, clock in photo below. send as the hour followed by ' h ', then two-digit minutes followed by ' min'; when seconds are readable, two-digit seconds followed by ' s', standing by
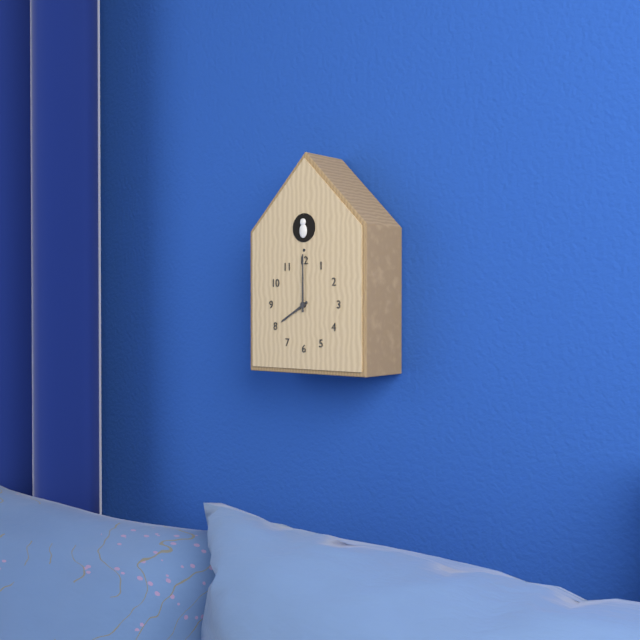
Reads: 8 h 00 min
